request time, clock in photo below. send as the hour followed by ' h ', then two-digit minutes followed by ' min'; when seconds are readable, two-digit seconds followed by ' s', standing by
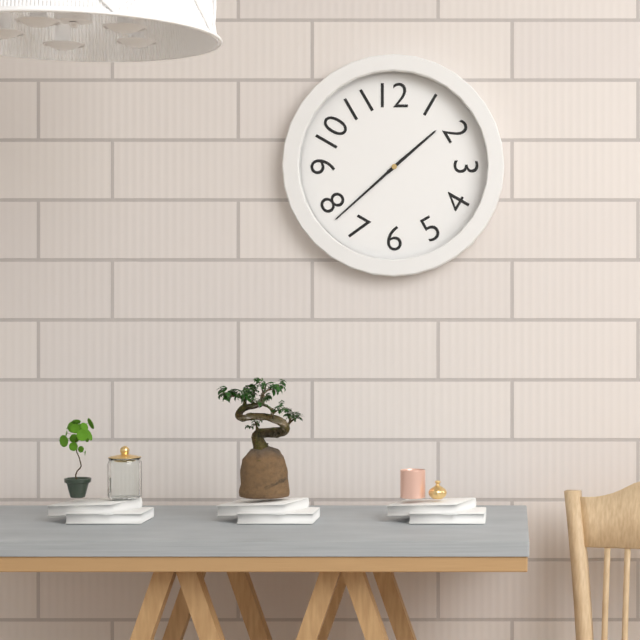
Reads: 1 h 38 min
